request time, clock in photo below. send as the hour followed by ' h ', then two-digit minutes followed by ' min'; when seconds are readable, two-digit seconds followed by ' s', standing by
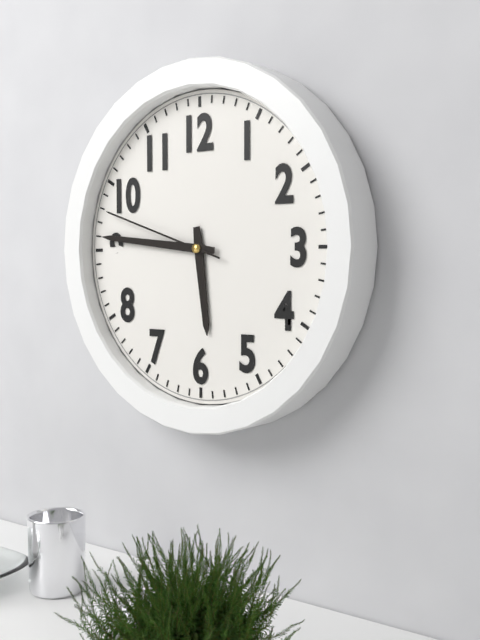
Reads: 5 h 46 min 48 s
